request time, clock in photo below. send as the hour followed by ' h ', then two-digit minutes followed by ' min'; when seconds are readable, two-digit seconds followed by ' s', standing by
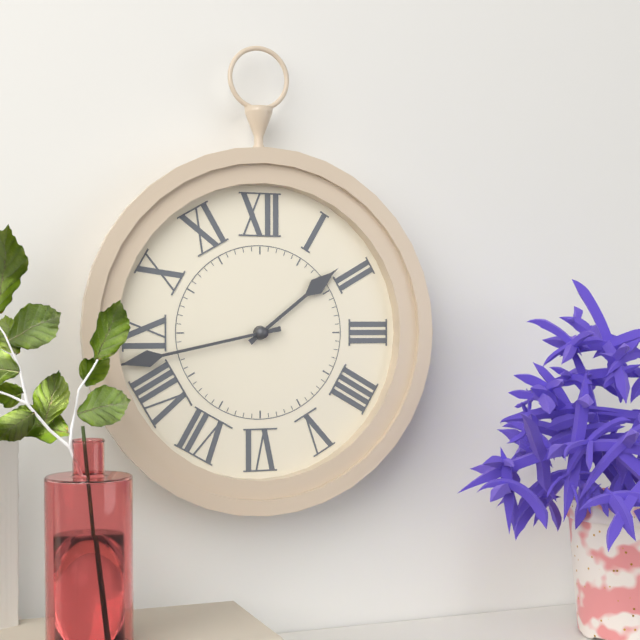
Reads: 1 h 43 min
